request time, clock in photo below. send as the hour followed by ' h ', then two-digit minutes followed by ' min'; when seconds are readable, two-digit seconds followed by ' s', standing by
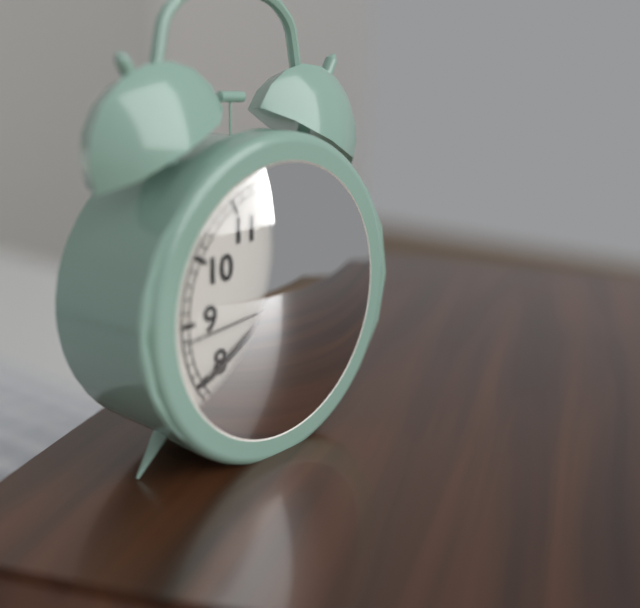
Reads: 3 h 40 min 44 s
